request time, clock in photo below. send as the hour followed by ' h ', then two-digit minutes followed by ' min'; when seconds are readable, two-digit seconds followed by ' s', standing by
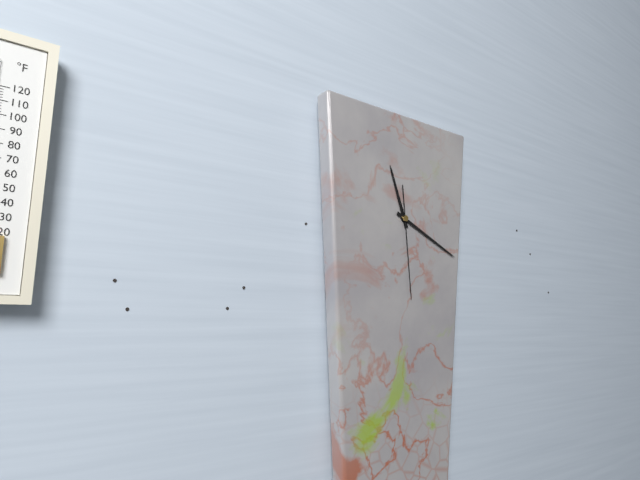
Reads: 11 h 19 min 29 s
